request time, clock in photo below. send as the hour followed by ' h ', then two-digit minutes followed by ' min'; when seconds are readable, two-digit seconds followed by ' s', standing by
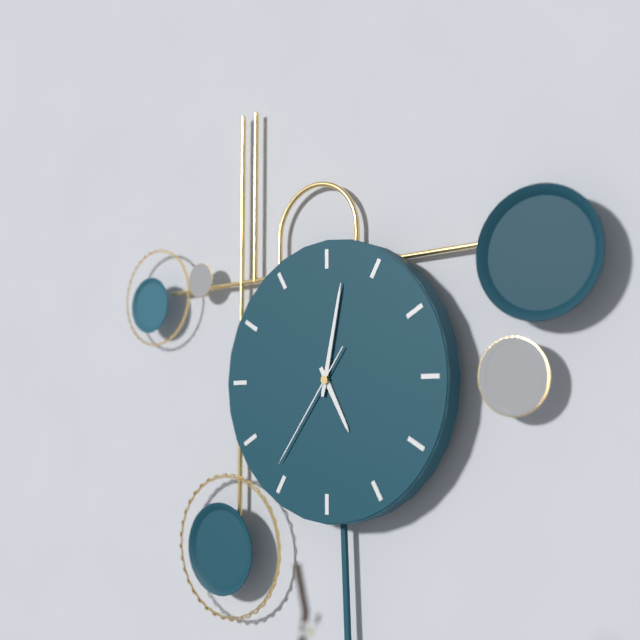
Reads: 5 h 02 min 36 s
